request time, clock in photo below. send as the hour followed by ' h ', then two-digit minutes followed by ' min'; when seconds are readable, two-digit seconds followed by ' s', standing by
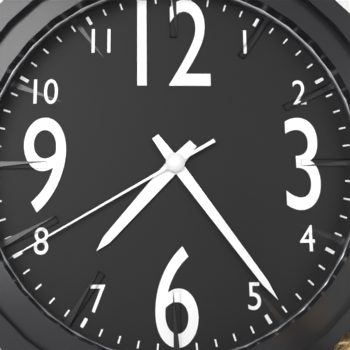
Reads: 7 h 24 min 40 s
